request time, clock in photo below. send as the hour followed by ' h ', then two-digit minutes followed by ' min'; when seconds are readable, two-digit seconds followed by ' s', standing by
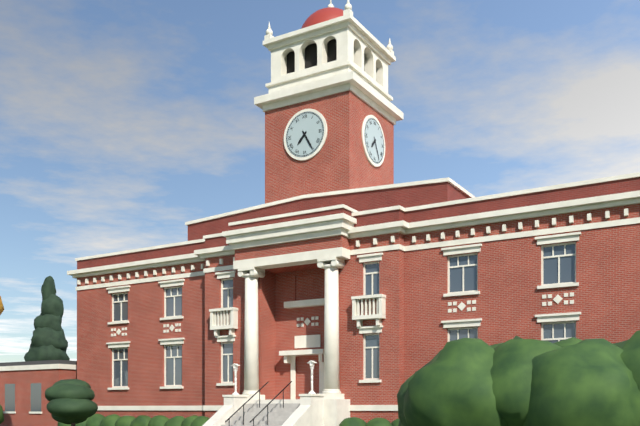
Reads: 7 h 25 min
